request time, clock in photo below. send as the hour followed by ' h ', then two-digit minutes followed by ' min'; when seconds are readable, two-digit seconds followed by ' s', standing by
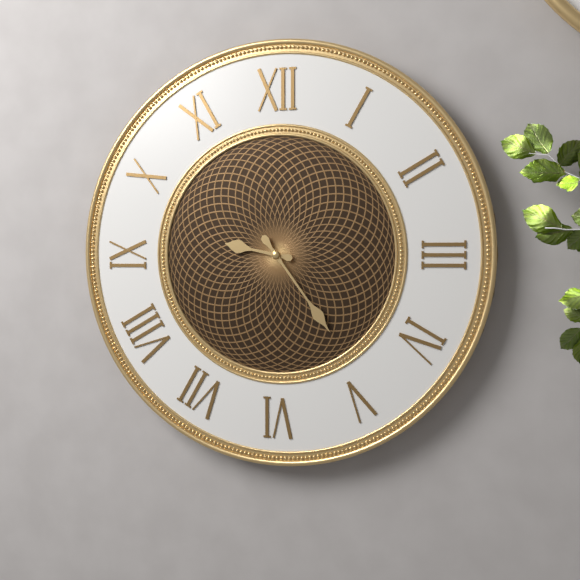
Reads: 9 h 24 min
